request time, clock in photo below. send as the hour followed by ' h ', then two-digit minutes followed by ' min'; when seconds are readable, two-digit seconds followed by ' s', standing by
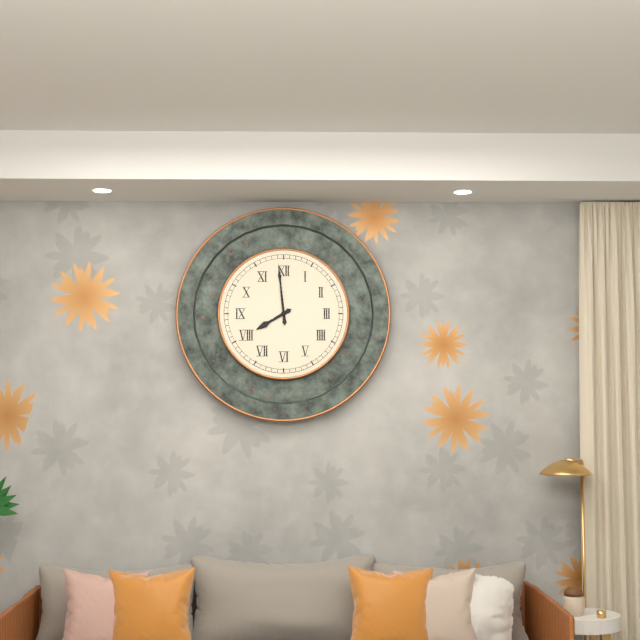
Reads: 7 h 59 min
